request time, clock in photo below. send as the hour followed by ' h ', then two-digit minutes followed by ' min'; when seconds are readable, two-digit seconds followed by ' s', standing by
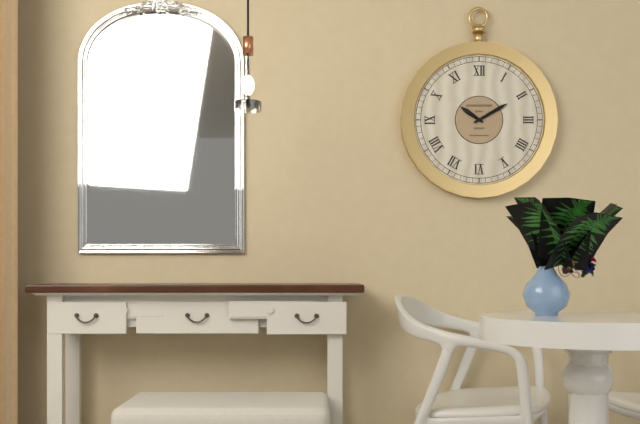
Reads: 10 h 10 min
